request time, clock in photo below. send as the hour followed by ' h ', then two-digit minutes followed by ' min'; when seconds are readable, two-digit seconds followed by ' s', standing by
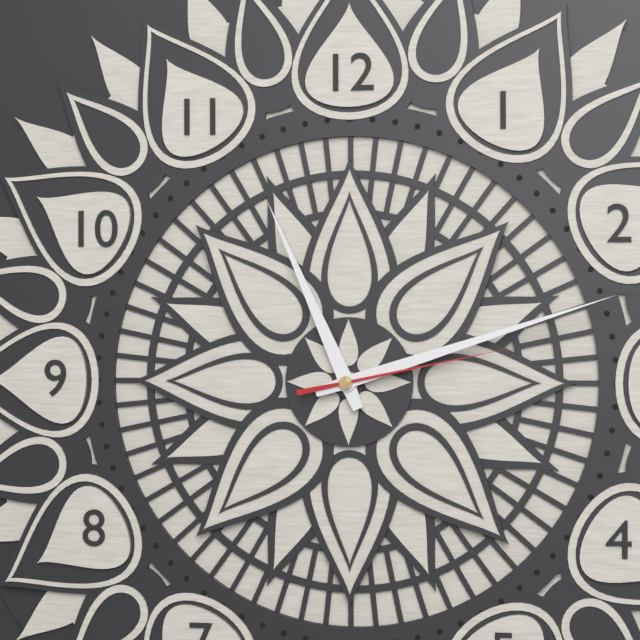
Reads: 11 h 12 min 13 s
